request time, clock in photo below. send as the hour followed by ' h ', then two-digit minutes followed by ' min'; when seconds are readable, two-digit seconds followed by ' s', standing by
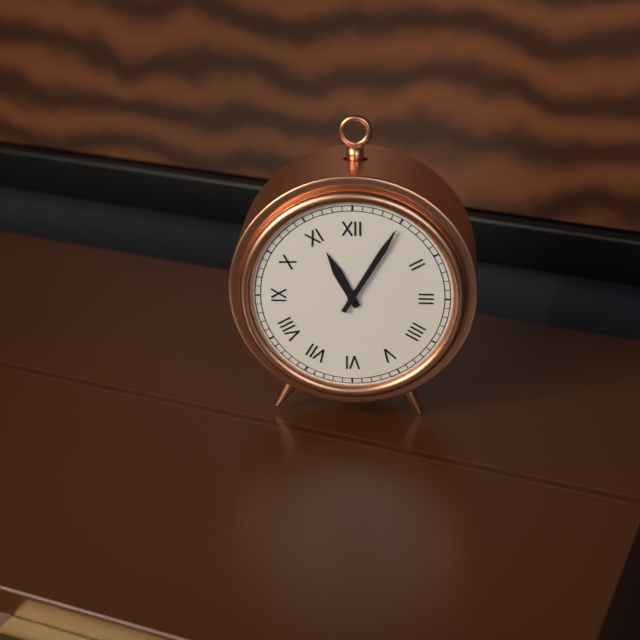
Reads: 11 h 05 min
